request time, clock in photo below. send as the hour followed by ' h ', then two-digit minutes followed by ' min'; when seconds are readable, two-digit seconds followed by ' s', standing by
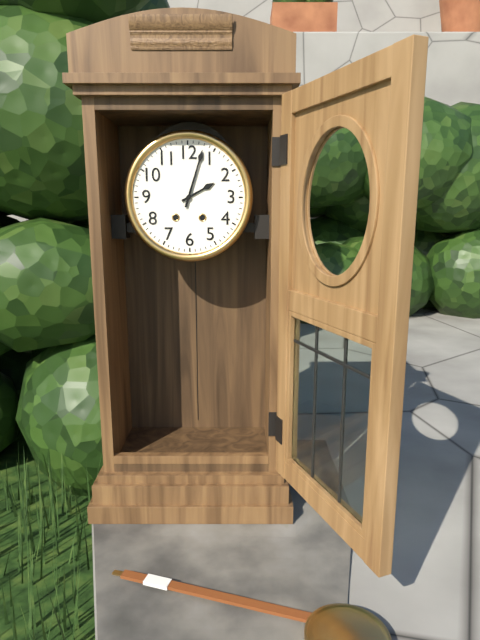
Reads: 2 h 03 min
